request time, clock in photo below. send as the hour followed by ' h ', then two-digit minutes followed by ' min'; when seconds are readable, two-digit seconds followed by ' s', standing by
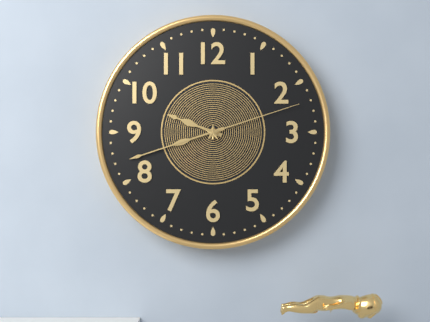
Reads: 9 h 42 min 12 s
